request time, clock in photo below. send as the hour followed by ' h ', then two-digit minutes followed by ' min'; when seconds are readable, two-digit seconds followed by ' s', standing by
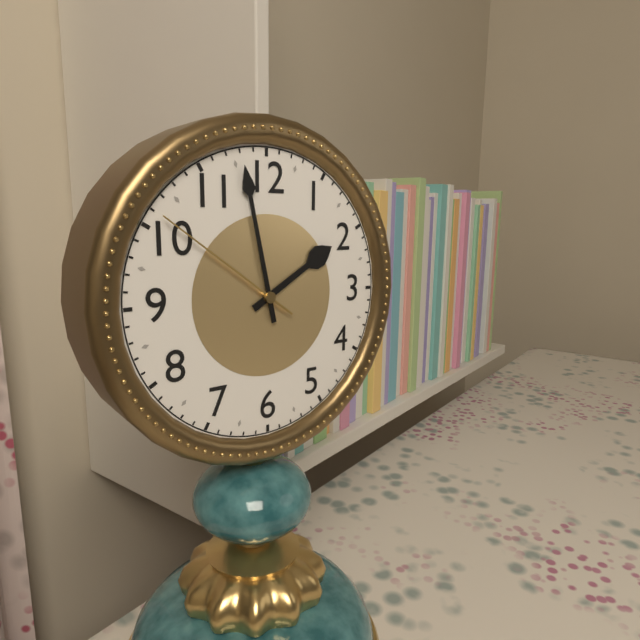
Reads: 1 h 58 min 51 s
